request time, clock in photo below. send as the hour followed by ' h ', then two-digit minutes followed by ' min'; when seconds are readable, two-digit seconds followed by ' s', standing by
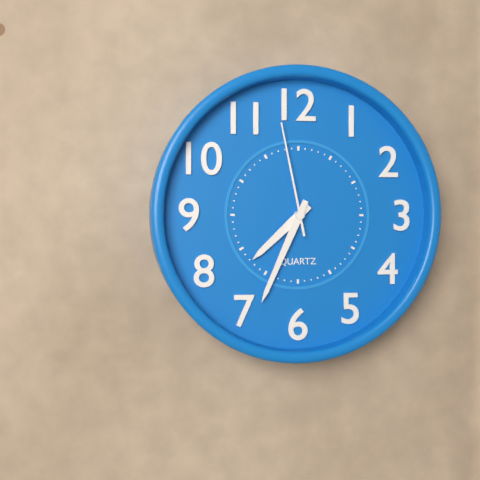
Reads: 7 h 34 min 58 s
